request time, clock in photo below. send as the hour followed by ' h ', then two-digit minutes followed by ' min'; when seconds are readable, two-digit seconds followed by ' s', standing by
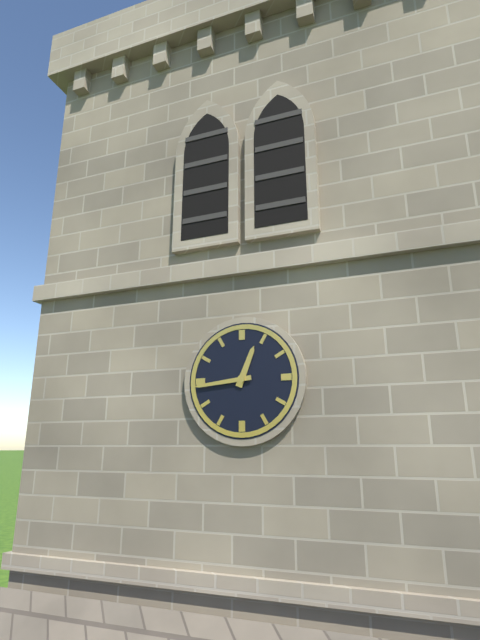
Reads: 12 h 44 min
